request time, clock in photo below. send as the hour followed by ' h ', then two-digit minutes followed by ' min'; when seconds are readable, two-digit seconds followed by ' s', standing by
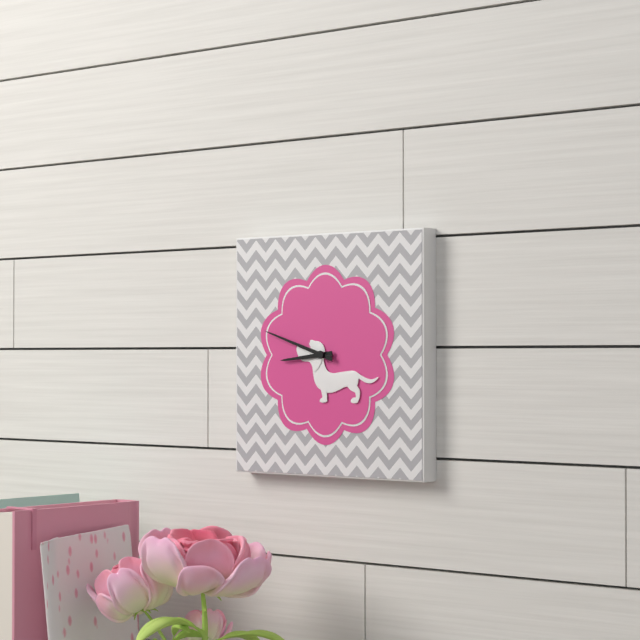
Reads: 8 h 48 min
